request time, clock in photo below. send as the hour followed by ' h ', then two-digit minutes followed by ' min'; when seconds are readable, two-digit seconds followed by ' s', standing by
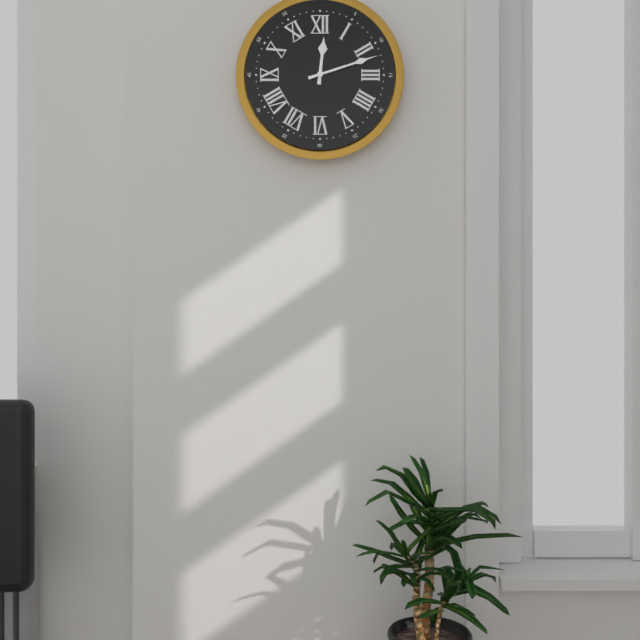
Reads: 12 h 12 min
